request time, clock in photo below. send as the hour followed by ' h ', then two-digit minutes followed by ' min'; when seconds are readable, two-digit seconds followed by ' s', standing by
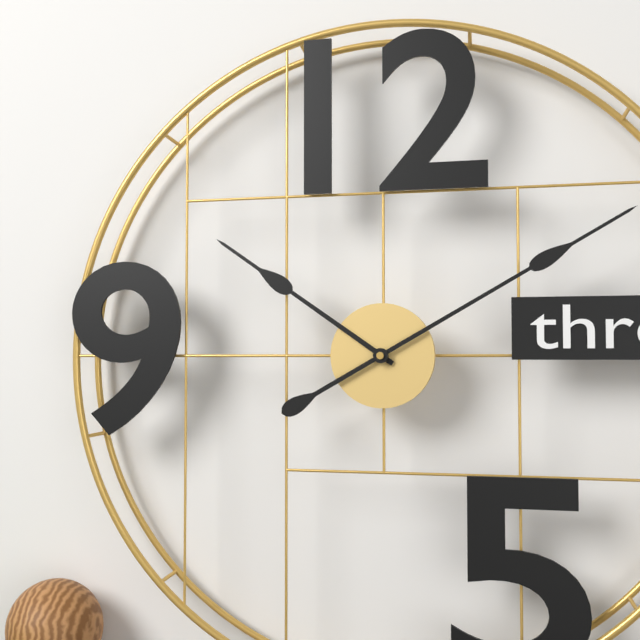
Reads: 10 h 10 min
